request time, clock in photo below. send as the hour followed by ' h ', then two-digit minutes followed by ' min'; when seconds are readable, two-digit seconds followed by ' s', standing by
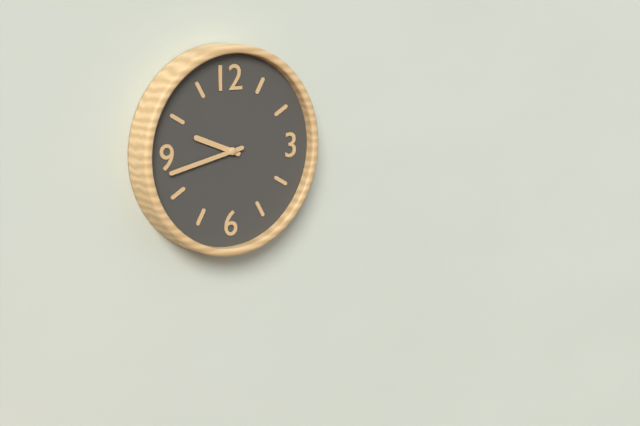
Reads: 9 h 43 min
